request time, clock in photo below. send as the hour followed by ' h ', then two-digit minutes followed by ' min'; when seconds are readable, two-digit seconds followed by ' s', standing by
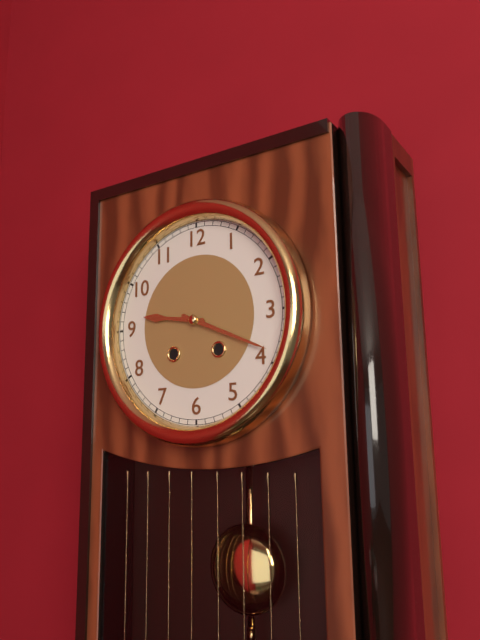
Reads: 9 h 19 min
